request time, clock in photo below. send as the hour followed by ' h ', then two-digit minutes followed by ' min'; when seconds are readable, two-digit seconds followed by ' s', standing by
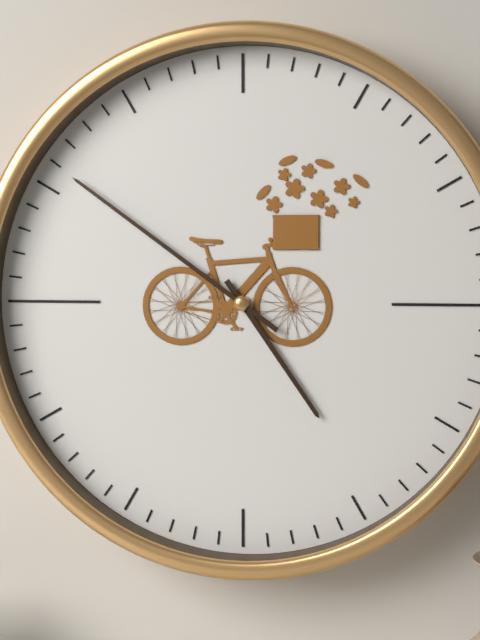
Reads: 4 h 51 min
